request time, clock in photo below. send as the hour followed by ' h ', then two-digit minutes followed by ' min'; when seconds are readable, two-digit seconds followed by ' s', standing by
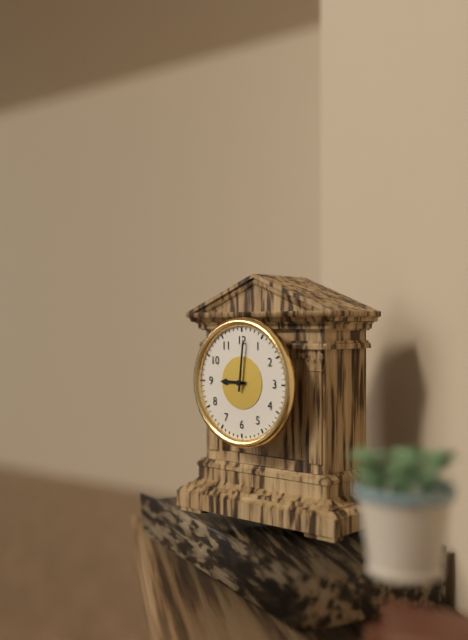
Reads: 9 h 01 min
